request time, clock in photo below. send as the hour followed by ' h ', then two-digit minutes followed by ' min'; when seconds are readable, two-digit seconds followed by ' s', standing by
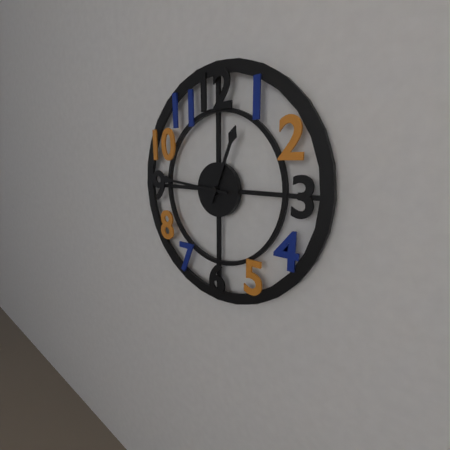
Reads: 12 h 46 min
